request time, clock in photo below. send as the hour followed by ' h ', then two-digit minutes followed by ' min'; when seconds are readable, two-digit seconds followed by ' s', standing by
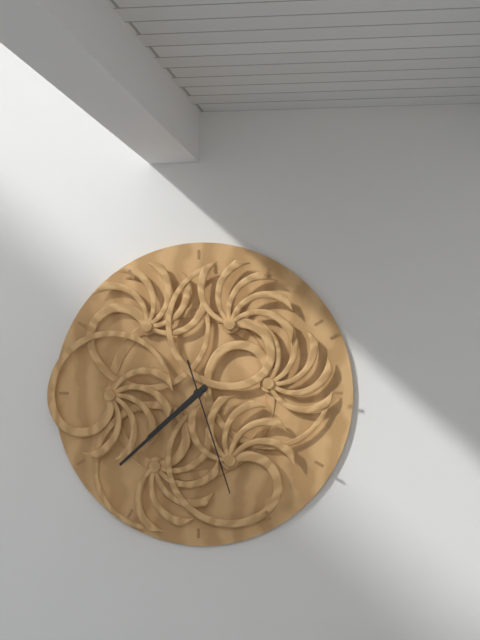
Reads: 7 h 38 min 27 s
